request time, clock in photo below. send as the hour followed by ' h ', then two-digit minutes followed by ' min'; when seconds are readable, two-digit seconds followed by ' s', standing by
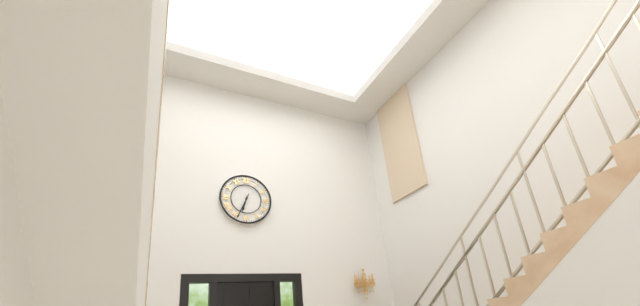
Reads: 6 h 34 min
